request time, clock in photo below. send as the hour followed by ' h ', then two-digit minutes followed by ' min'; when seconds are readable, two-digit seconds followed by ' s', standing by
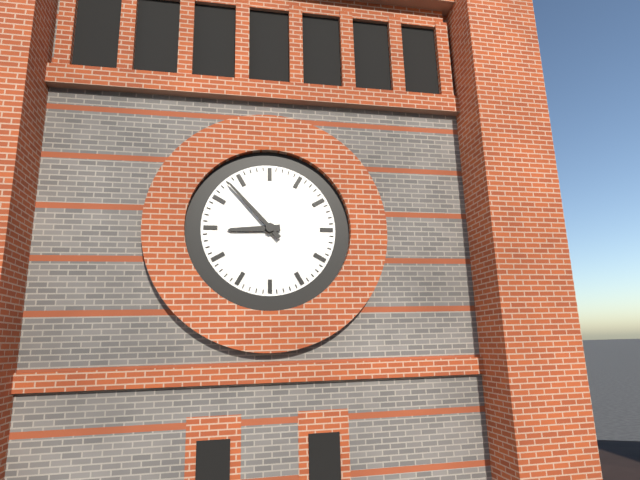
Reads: 8 h 53 min
